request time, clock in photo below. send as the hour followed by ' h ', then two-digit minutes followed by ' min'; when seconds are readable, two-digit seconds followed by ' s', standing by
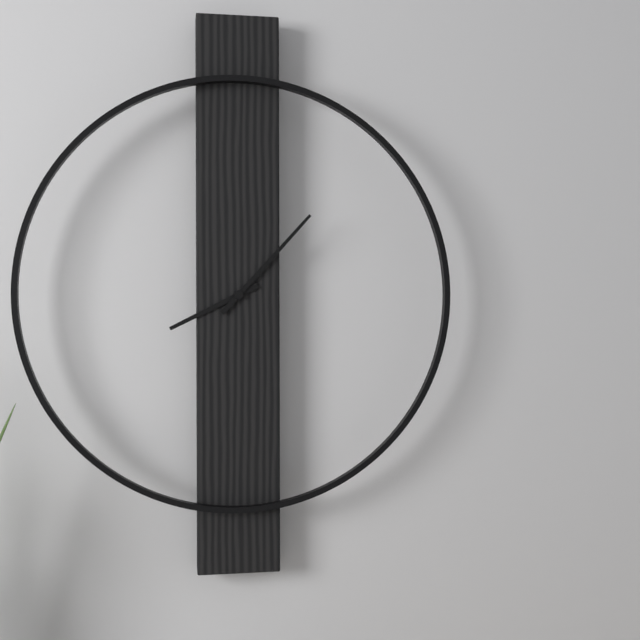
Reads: 8 h 07 min
